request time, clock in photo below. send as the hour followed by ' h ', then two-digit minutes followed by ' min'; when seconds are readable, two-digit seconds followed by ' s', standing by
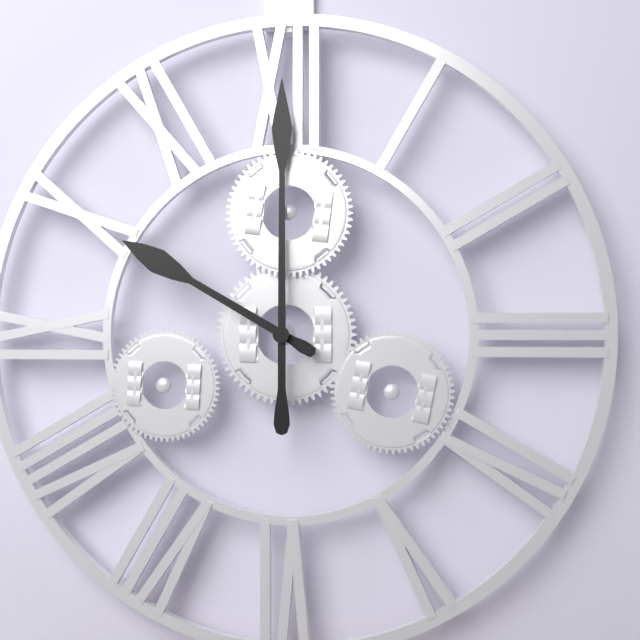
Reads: 10 h 00 min
